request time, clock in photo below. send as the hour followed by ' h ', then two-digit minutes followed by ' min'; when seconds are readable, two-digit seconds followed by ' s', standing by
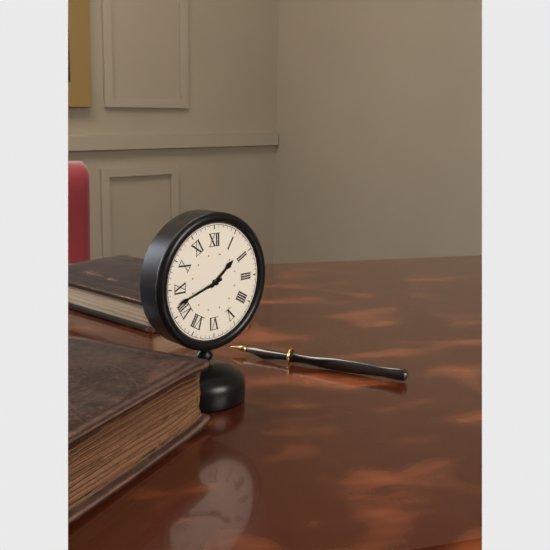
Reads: 1 h 42 min
